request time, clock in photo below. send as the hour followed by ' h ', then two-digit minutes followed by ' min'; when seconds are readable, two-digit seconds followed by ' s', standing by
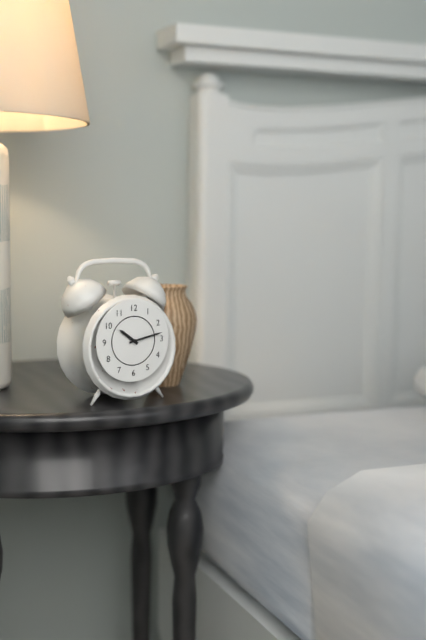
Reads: 10 h 13 min
